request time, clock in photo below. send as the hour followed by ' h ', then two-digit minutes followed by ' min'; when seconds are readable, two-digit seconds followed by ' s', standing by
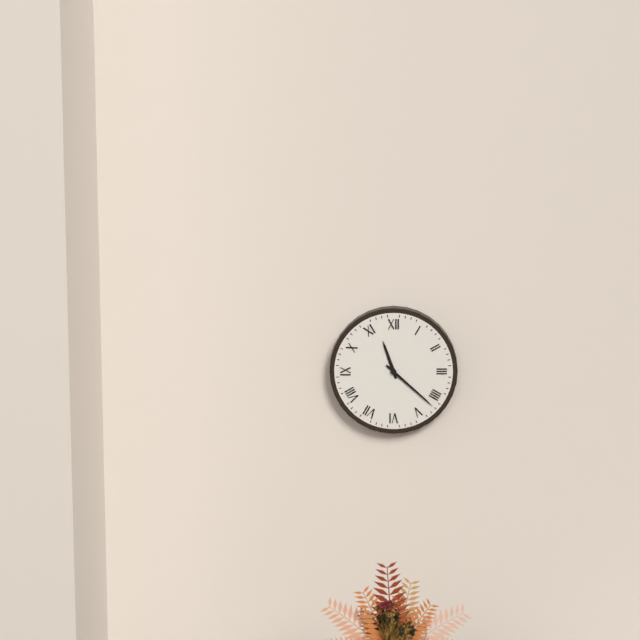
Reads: 11 h 22 min
